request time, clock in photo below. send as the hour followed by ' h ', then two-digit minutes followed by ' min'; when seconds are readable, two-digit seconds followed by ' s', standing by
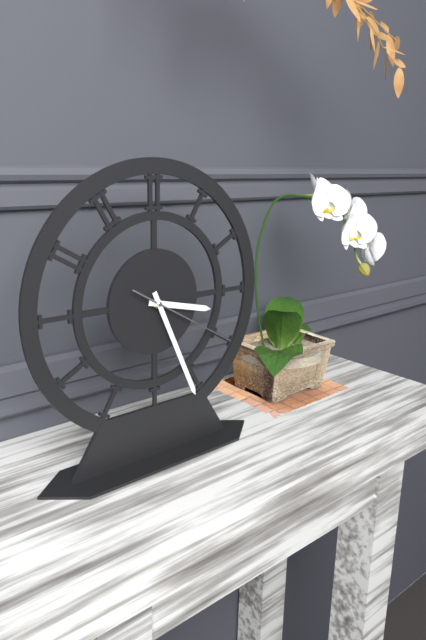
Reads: 3 h 26 min 20 s
